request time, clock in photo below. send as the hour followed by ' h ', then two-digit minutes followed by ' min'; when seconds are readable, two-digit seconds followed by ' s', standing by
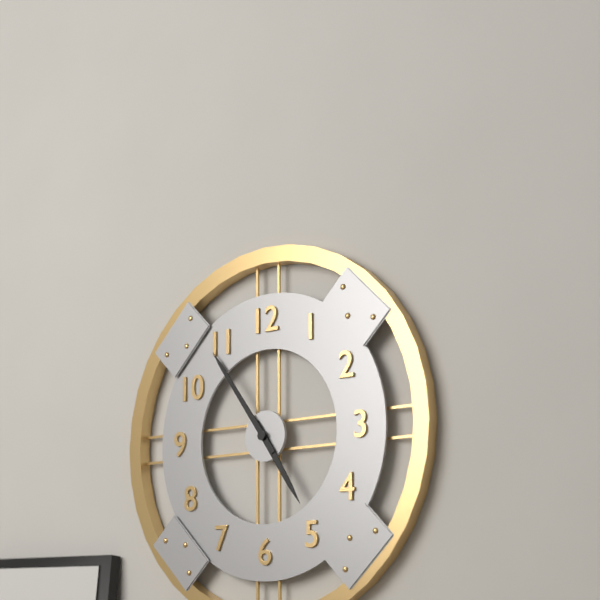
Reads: 4 h 54 min
